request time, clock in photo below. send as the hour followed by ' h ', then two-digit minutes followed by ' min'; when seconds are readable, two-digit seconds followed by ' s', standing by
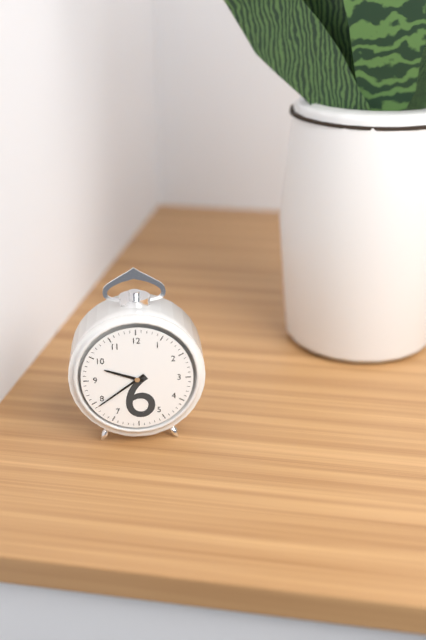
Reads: 9 h 39 min
